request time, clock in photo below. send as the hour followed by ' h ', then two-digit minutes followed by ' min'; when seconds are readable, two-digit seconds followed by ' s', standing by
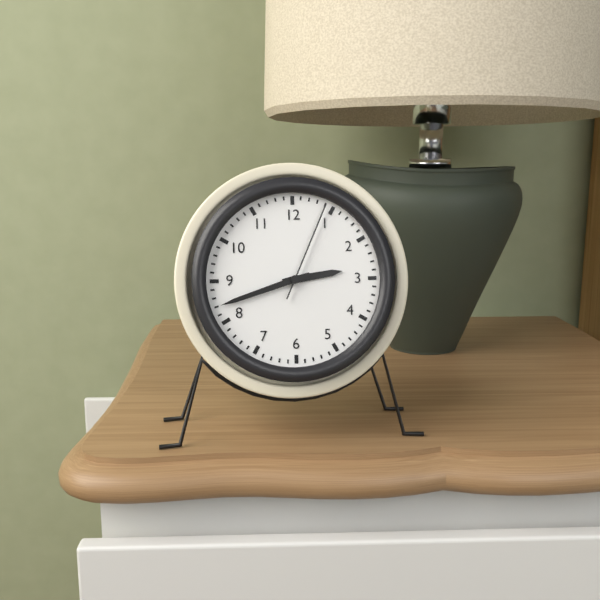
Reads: 2 h 42 min 04 s
